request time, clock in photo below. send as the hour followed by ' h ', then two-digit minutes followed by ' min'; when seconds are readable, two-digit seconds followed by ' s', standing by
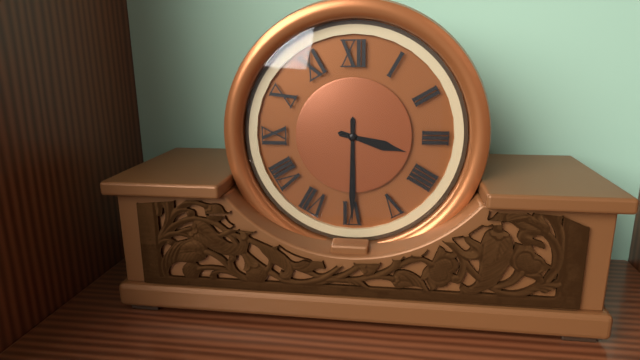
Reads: 3 h 30 min
